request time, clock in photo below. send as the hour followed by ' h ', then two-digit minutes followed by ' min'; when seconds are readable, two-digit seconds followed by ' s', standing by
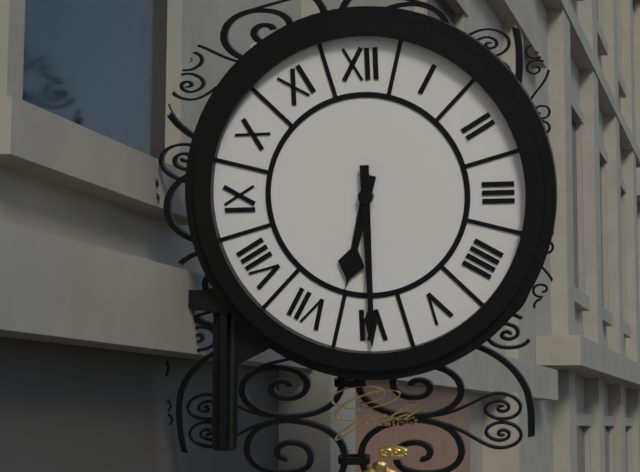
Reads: 6 h 30 min
